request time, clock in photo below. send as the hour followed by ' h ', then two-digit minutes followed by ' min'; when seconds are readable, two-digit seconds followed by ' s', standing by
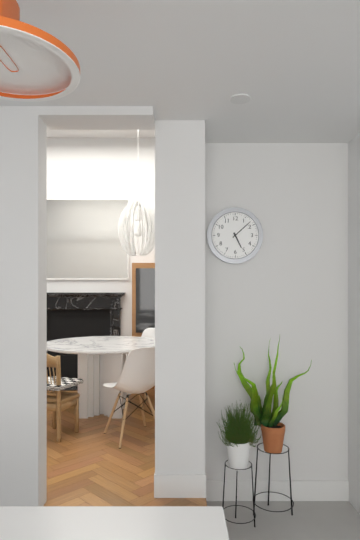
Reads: 5 h 08 min
